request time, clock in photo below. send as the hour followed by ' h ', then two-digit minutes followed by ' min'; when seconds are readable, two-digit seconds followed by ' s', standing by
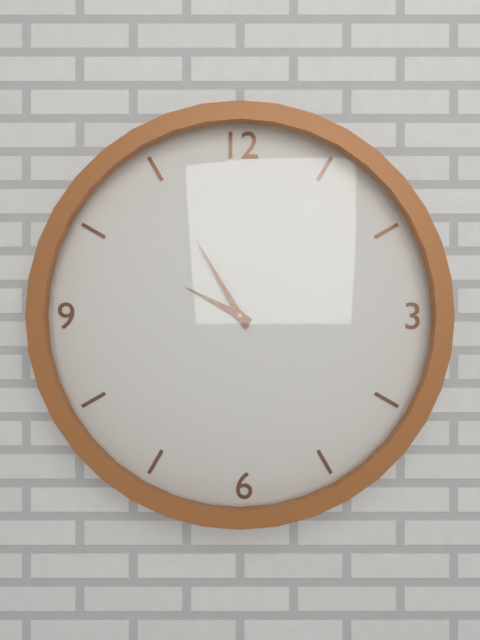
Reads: 9 h 55 min
